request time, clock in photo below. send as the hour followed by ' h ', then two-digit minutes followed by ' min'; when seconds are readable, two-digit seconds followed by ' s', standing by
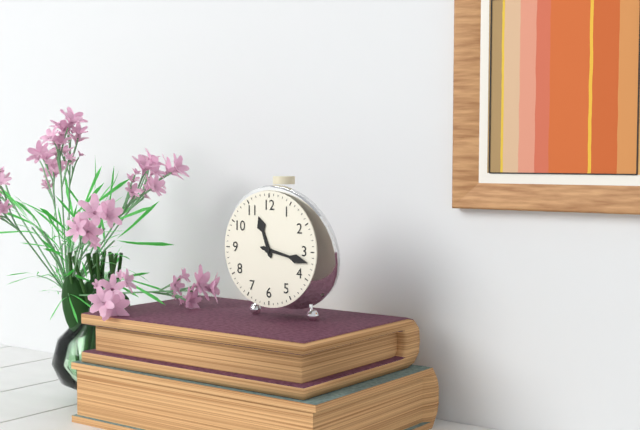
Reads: 11 h 17 min
